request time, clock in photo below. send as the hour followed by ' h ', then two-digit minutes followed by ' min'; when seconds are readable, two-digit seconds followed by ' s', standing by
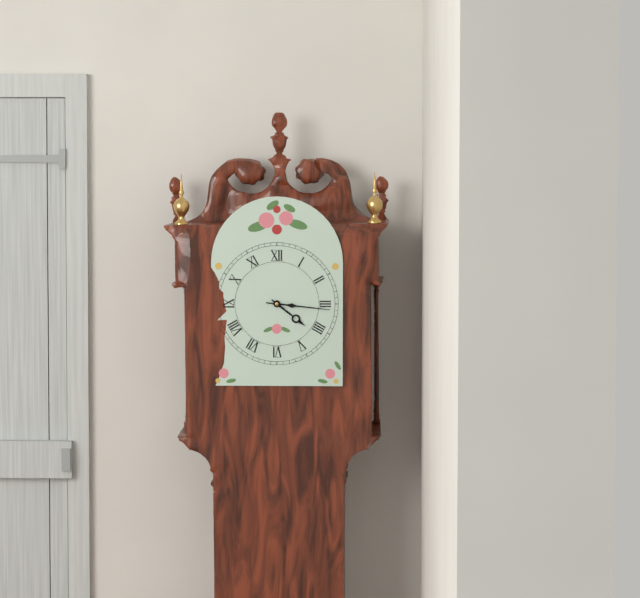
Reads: 4 h 16 min
